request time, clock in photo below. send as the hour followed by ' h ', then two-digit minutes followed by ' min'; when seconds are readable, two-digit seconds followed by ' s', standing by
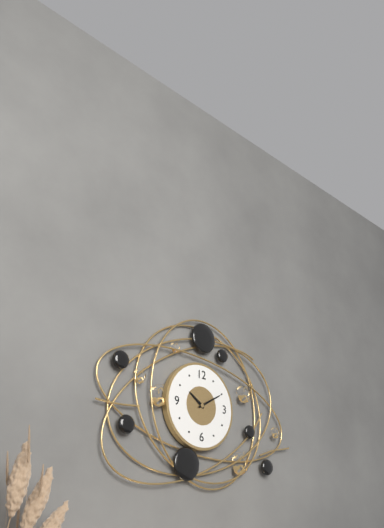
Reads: 10 h 10 min
